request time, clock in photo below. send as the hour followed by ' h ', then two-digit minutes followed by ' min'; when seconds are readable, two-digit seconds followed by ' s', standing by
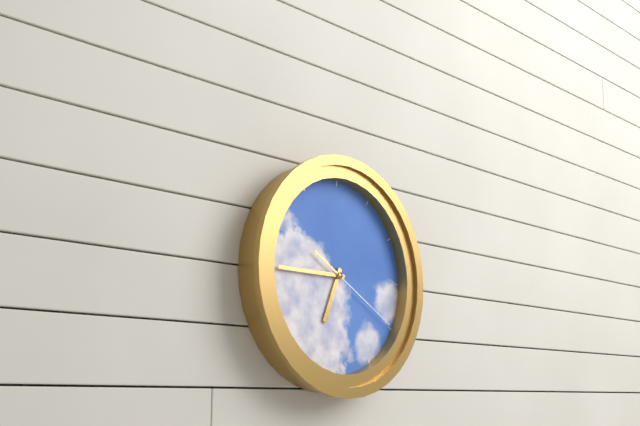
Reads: 6 h 45 min 20 s
